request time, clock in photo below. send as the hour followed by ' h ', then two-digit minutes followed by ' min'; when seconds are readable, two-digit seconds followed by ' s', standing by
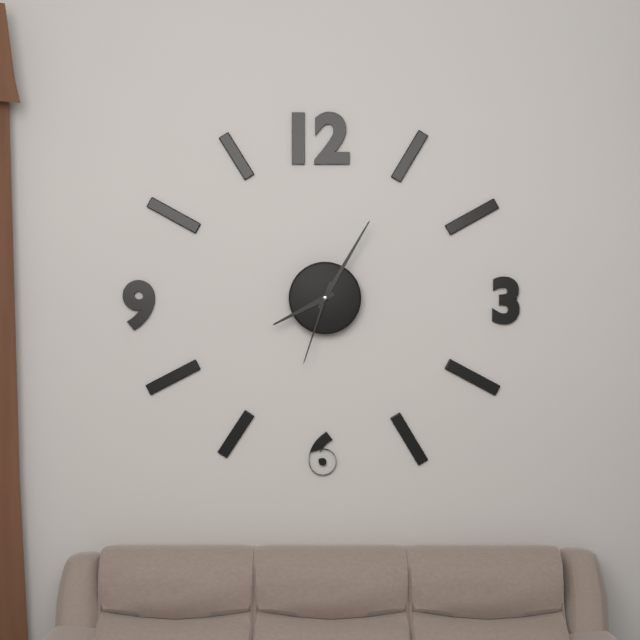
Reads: 8 h 05 min 33 s
